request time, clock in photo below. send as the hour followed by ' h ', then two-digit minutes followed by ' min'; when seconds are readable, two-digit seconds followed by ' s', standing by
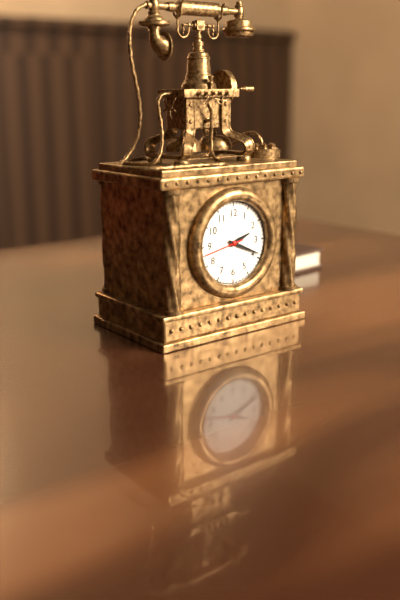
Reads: 2 h 19 min
